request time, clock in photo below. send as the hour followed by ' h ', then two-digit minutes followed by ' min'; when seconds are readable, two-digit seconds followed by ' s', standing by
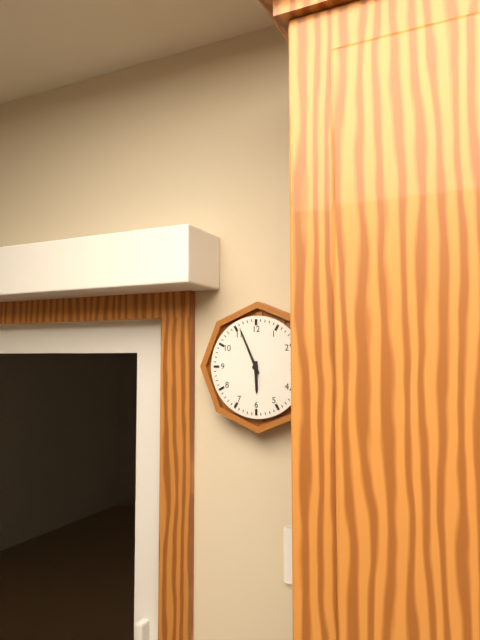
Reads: 5 h 56 min
